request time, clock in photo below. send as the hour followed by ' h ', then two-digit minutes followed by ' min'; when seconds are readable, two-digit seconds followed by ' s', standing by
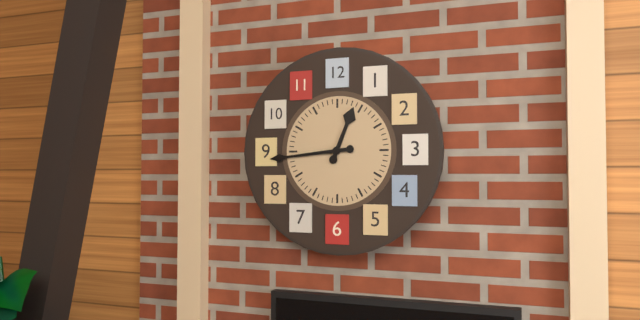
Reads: 12 h 44 min
